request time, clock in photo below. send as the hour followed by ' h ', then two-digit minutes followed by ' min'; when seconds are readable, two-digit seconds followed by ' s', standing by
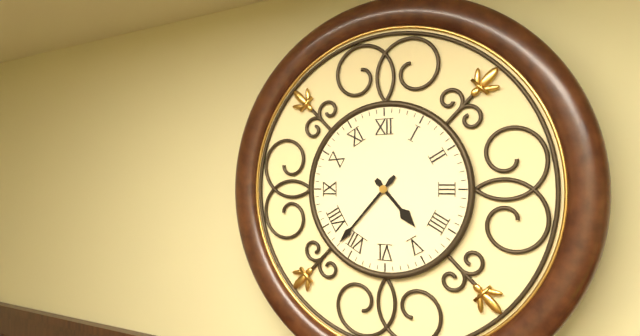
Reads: 4 h 37 min
